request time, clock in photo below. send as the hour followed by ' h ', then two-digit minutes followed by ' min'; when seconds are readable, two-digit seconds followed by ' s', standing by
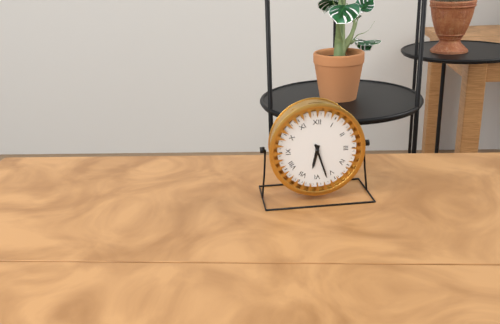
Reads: 6 h 27 min
